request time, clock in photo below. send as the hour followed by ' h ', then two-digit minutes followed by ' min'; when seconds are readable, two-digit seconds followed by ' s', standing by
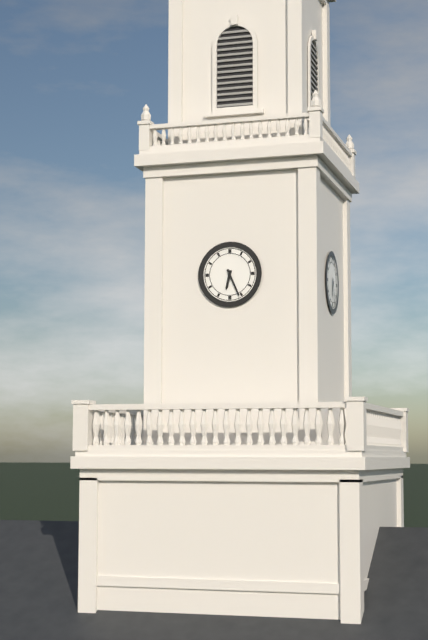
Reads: 6 h 26 min
